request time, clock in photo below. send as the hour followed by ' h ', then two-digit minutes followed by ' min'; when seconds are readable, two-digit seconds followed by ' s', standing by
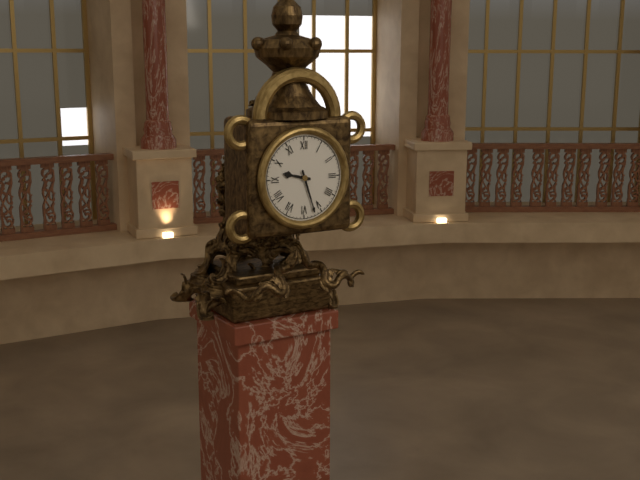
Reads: 9 h 27 min
